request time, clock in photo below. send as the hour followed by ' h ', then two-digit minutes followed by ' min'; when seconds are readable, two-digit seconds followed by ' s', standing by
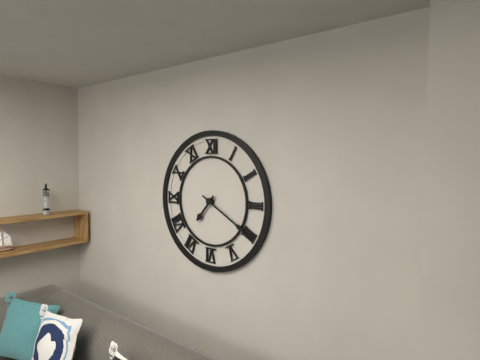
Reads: 7 h 20 min
